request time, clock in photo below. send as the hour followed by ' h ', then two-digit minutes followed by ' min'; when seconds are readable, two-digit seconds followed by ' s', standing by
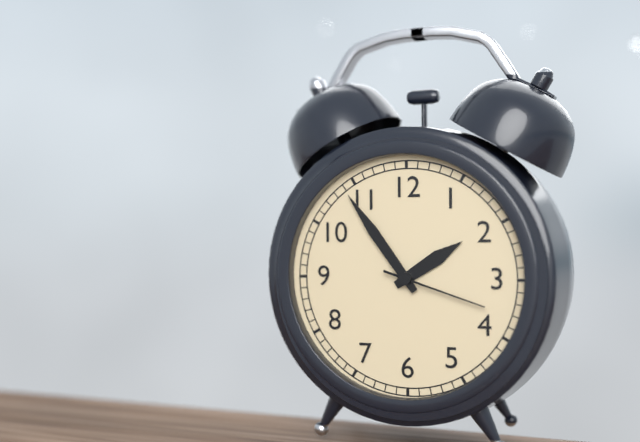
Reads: 1 h 54 min 18 s
